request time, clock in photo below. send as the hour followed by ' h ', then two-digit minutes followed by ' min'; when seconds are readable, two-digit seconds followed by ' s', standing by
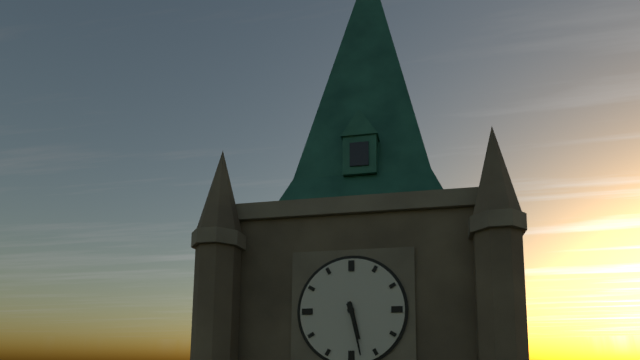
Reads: 5 h 28 min
